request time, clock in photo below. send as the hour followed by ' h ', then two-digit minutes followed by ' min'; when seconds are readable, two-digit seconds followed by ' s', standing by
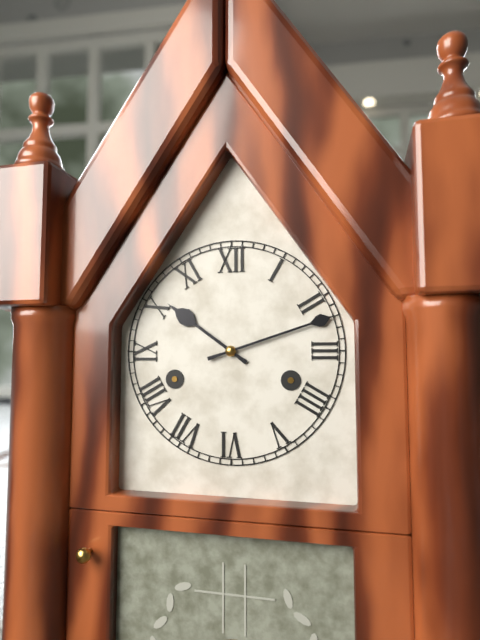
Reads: 10 h 12 min
